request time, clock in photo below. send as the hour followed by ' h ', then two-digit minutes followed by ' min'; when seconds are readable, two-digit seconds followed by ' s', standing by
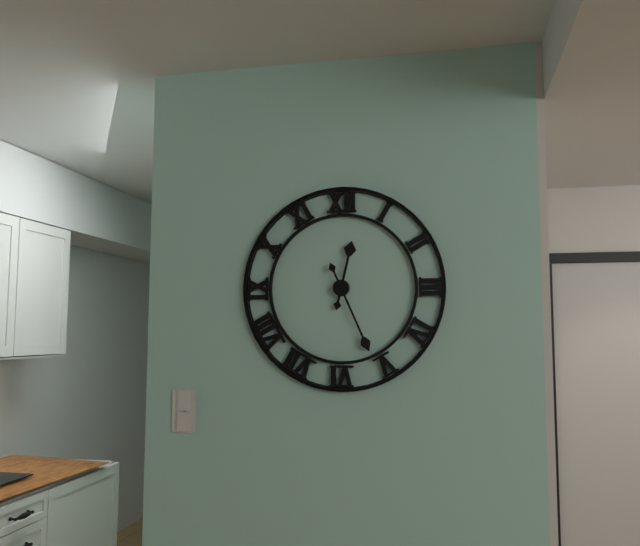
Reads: 12 h 26 min
